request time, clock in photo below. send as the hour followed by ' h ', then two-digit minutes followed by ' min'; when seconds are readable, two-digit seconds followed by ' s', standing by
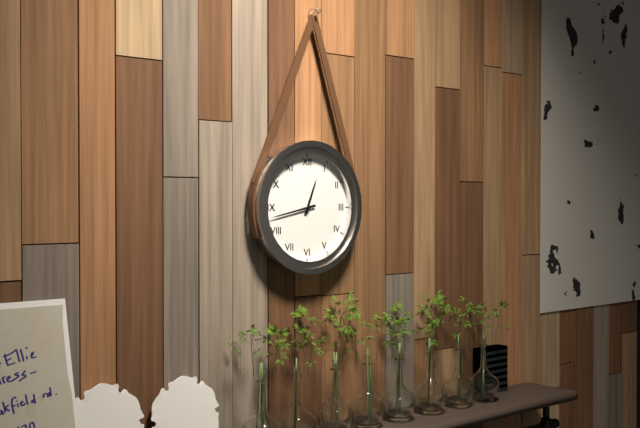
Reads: 12 h 43 min
